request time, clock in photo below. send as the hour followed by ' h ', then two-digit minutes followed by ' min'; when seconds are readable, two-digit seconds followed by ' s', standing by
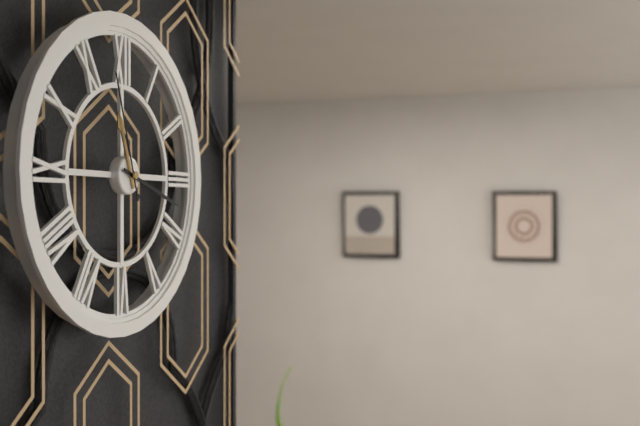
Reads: 11 h 18 min 57 s
